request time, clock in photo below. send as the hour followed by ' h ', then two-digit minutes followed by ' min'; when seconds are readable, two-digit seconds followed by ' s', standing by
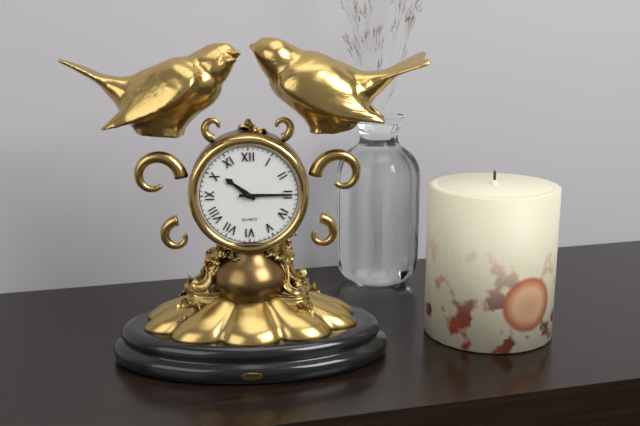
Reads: 10 h 15 min
